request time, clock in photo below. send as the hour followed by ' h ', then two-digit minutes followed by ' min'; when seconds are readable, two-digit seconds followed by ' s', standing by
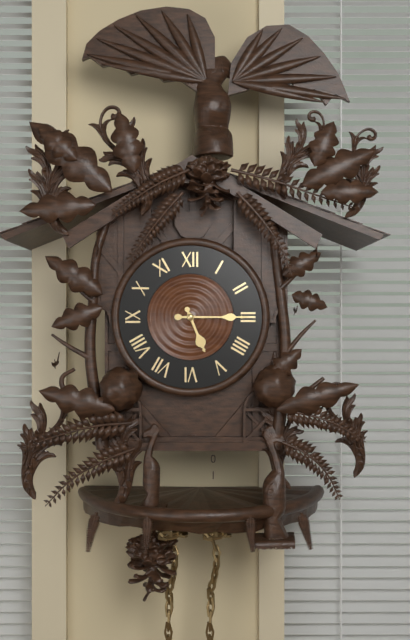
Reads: 5 h 15 min
